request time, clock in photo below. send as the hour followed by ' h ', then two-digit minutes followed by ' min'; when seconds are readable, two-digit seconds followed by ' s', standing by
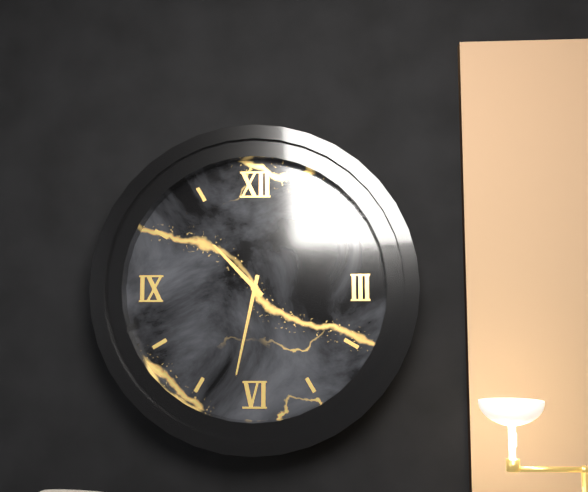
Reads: 10 h 32 min
